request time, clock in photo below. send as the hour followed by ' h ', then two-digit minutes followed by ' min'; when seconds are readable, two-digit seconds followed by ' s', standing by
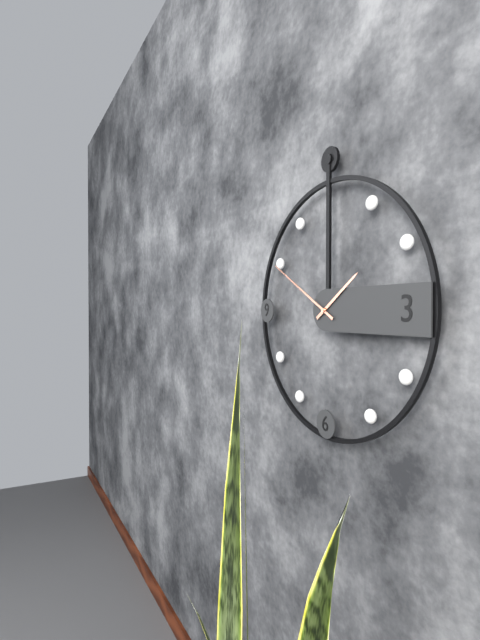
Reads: 1 h 50 min
